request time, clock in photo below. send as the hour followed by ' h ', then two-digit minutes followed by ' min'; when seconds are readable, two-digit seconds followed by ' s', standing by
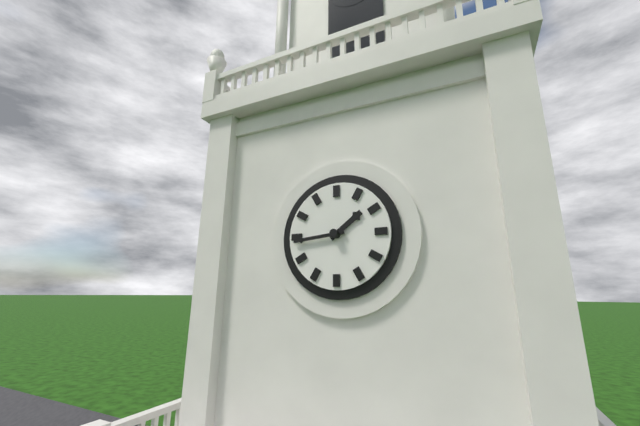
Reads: 1 h 44 min
